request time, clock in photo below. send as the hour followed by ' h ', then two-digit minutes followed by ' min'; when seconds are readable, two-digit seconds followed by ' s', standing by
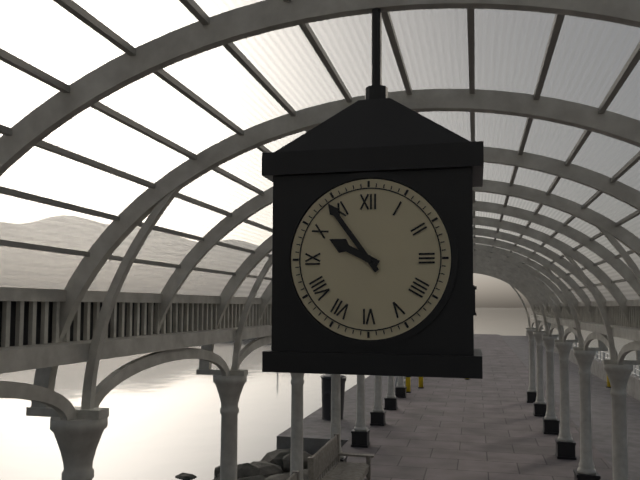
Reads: 9 h 54 min
